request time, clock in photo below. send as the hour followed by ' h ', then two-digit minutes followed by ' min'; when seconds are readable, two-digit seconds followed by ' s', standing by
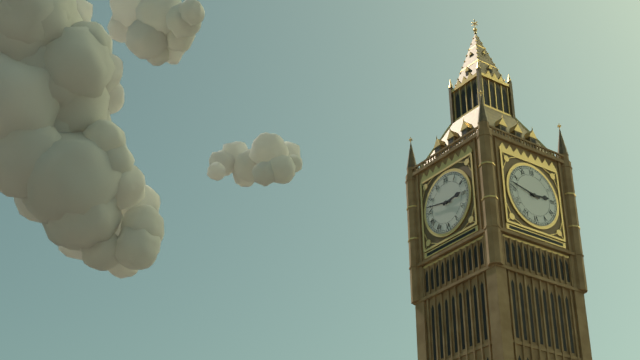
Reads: 2 h 47 min
